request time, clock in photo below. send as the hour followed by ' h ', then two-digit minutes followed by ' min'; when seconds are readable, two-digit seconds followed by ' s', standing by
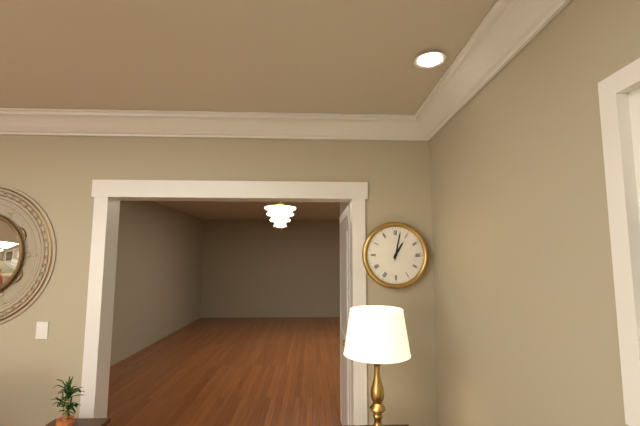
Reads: 1 h 02 min
